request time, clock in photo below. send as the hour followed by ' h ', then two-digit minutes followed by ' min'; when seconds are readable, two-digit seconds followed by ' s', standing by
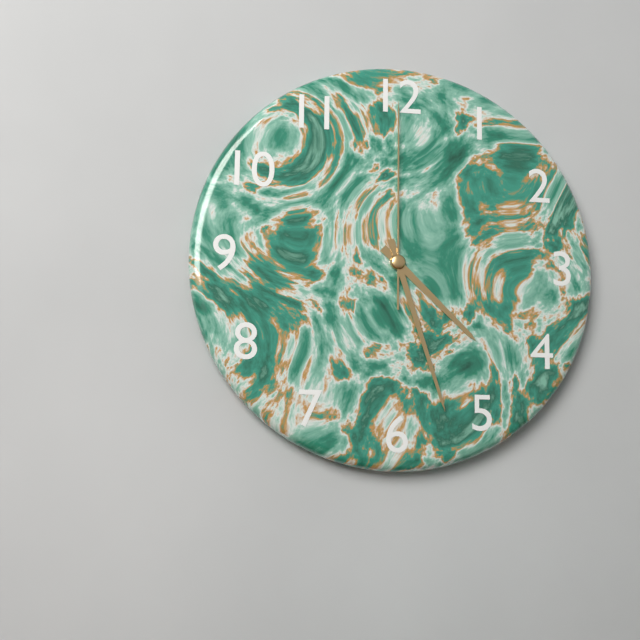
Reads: 4 h 27 min 00 s
